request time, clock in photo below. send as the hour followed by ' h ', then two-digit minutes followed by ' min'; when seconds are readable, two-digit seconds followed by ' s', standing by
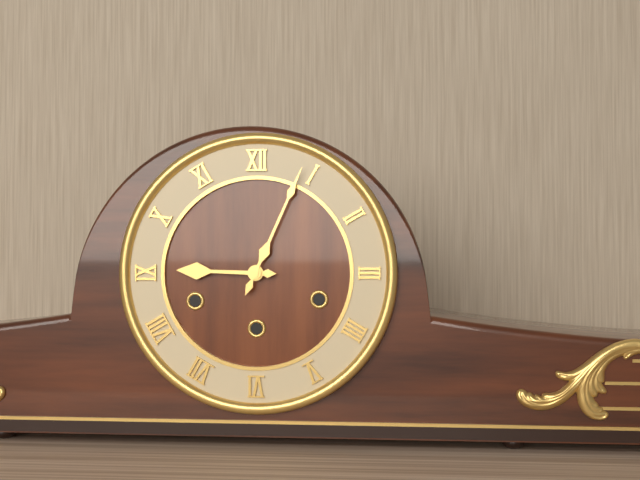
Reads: 9 h 04 min
